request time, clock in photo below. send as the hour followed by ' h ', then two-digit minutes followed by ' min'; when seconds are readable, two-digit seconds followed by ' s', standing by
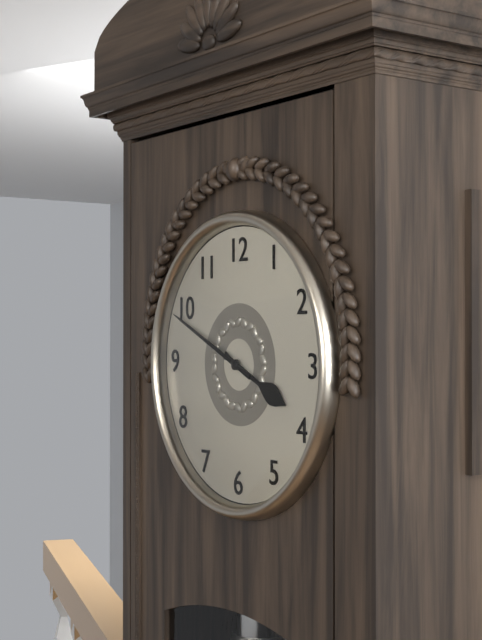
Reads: 3 h 49 min
